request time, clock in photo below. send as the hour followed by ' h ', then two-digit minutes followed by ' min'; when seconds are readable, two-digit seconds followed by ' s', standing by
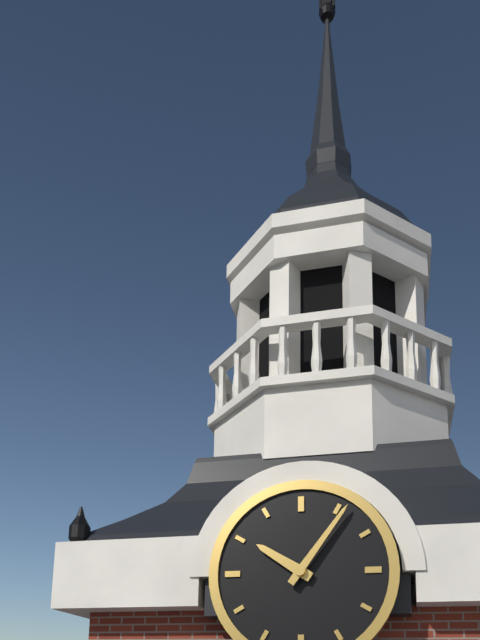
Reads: 10 h 06 min
